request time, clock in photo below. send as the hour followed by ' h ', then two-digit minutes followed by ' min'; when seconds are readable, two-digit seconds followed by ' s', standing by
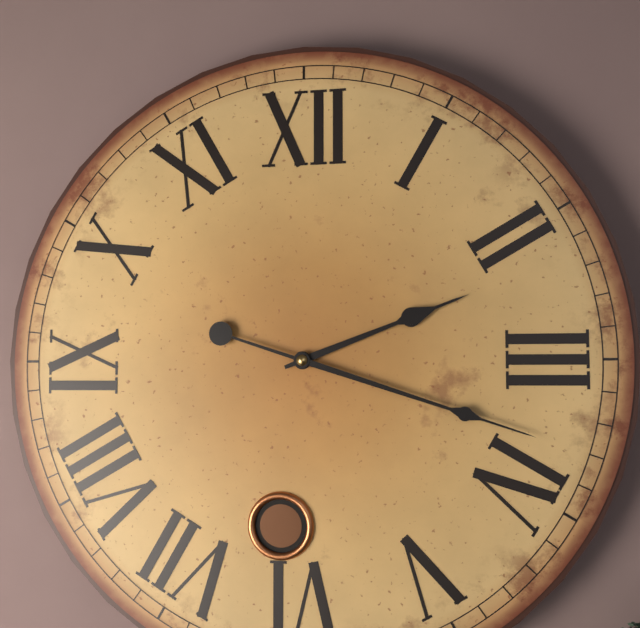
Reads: 2 h 18 min
